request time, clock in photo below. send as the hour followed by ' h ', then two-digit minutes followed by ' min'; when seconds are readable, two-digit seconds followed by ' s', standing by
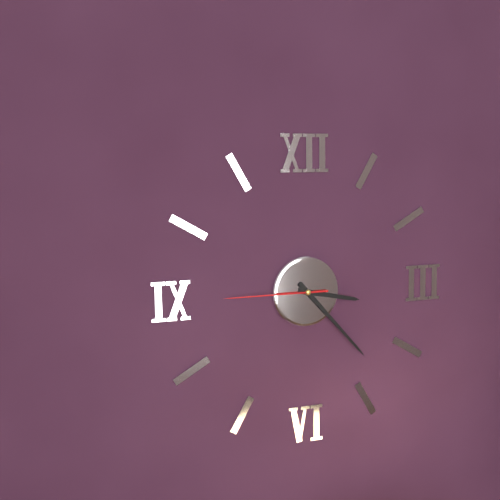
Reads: 3 h 23 min 45 s
